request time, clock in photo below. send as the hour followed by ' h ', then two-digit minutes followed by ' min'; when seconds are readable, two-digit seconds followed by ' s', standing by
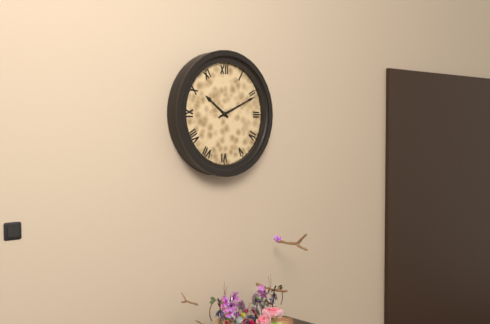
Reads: 10 h 11 min
